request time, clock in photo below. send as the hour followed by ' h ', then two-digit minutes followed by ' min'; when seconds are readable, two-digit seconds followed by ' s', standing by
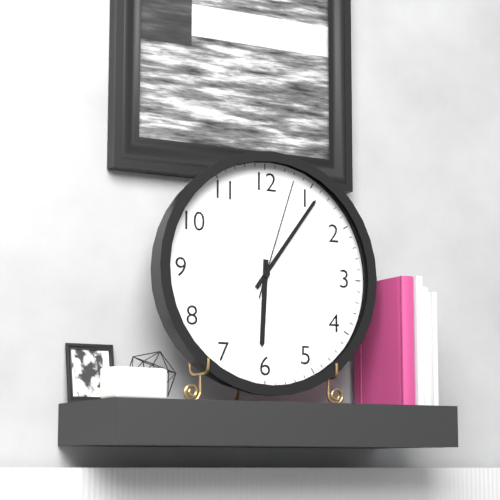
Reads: 6 h 06 min 03 s
